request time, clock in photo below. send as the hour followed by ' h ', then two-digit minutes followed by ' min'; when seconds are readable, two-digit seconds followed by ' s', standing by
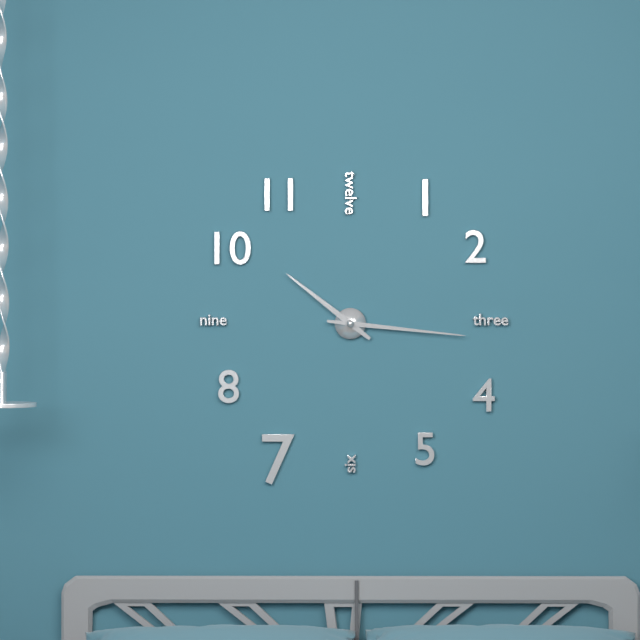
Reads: 10 h 16 min
